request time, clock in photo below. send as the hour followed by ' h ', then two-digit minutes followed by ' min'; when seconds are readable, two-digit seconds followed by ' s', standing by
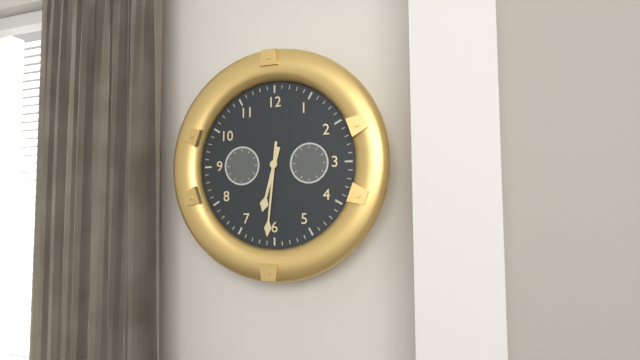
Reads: 6 h 31 min
